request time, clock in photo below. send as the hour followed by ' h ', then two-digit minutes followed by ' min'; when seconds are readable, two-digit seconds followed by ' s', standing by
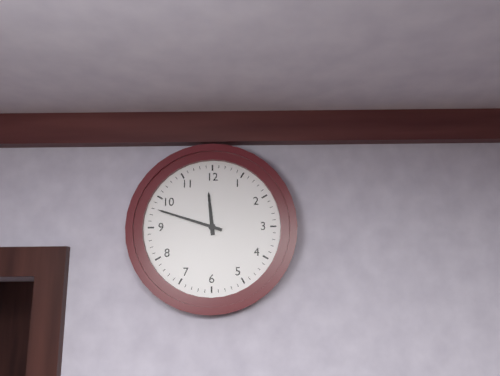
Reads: 11 h 48 min
